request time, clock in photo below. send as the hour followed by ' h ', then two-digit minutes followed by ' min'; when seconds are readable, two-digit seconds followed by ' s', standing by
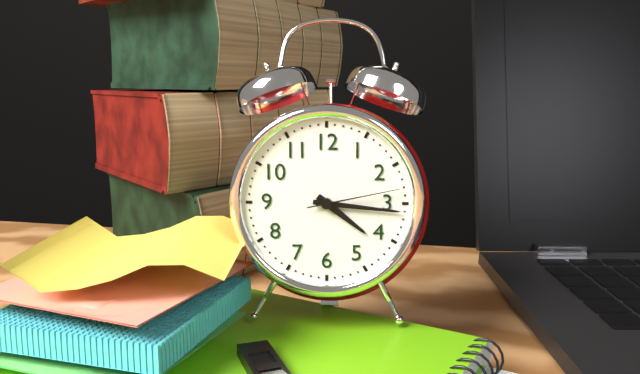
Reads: 4 h 16 min 13 s
